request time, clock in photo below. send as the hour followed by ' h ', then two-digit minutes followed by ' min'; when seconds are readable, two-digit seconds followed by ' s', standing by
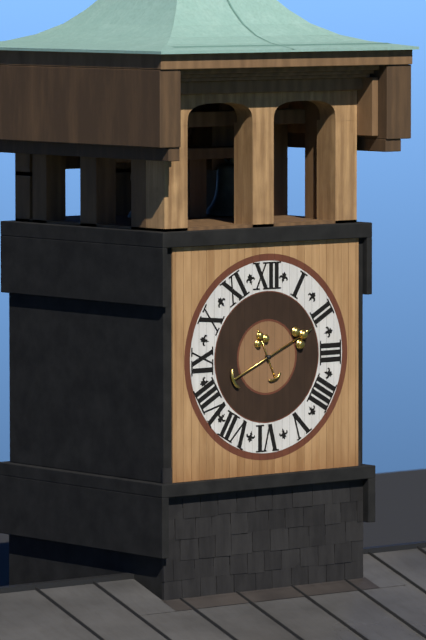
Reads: 11 h 11 min
